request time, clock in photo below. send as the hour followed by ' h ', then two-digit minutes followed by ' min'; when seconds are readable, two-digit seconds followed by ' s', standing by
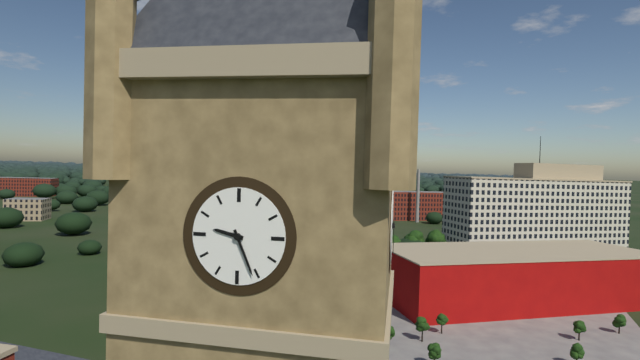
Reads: 9 h 26 min
